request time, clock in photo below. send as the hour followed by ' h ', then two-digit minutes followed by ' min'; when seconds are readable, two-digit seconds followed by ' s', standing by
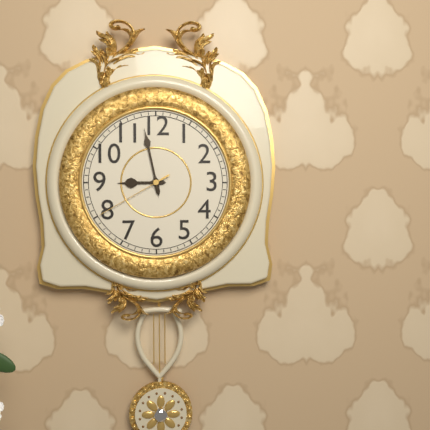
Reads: 8 h 58 min 40 s
